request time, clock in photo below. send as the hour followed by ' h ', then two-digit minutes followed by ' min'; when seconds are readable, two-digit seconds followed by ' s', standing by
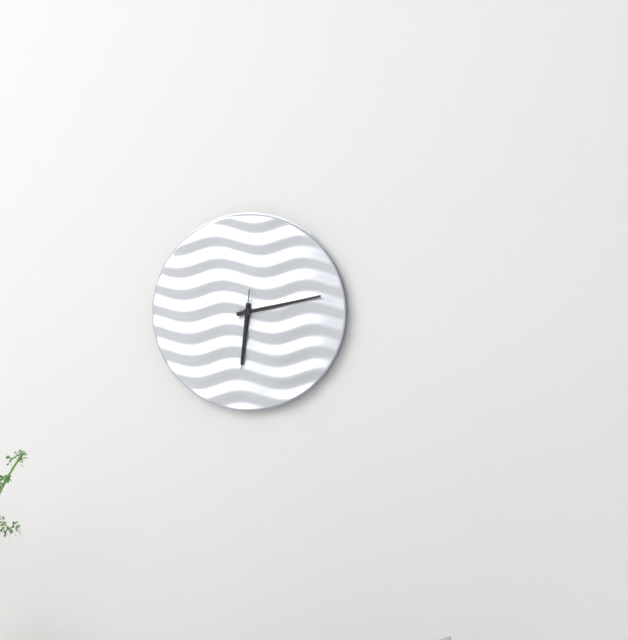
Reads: 6 h 13 min 31 s
